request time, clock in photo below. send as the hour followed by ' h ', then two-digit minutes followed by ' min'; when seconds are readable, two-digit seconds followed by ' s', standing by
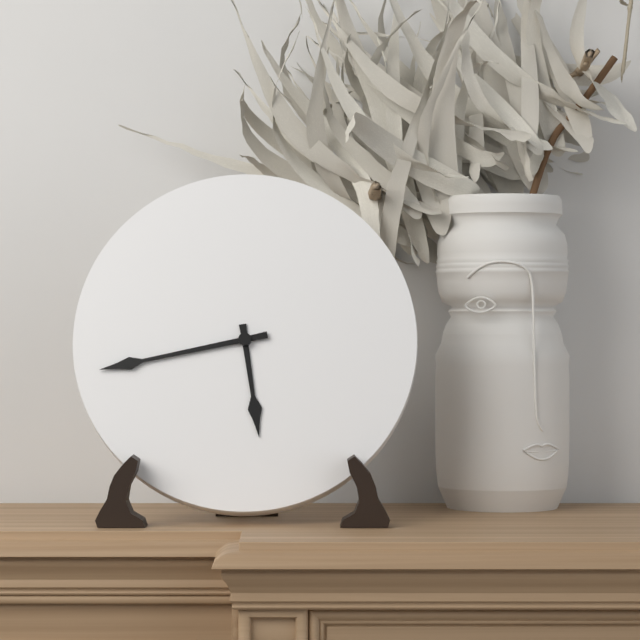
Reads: 5 h 43 min
